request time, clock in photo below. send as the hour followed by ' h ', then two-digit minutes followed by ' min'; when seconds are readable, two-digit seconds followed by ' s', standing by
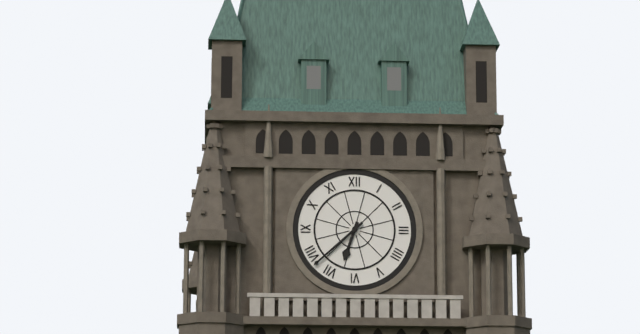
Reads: 6 h 38 min
